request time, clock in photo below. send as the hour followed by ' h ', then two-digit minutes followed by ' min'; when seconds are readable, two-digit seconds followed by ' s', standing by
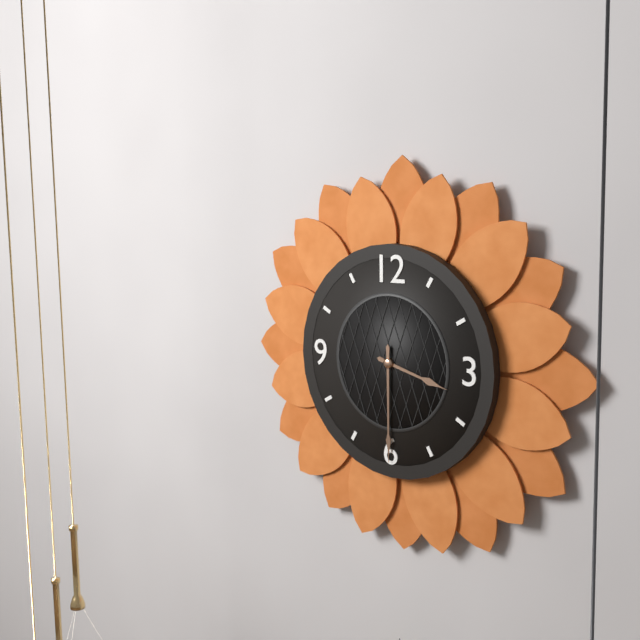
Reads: 3 h 30 min
